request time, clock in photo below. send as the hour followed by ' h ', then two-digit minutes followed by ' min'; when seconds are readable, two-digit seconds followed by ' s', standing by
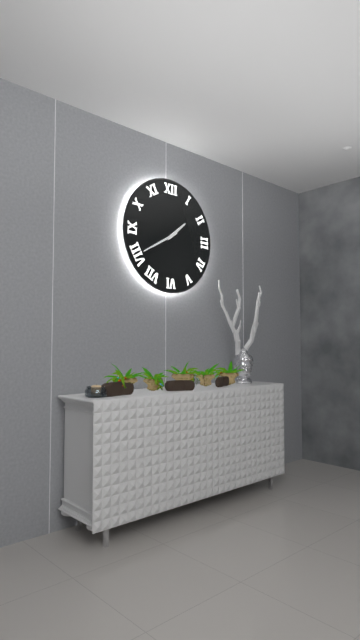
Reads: 1 h 40 min
